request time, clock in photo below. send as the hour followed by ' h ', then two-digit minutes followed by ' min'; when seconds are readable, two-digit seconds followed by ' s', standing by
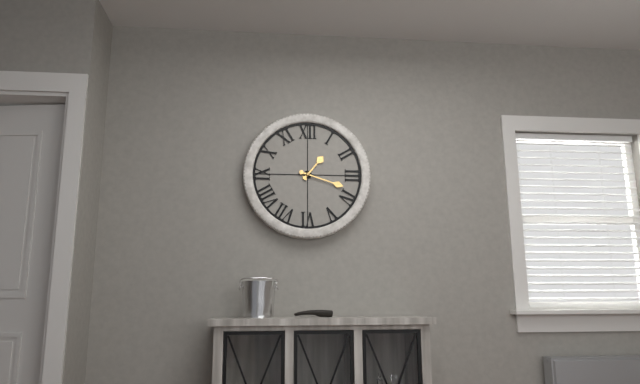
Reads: 1 h 18 min
